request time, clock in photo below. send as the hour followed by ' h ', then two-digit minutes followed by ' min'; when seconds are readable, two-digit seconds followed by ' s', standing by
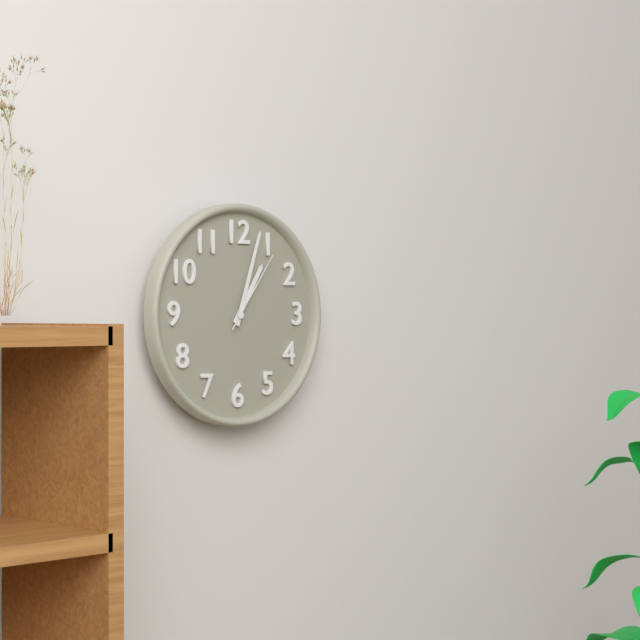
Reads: 1 h 03 min 06 s
